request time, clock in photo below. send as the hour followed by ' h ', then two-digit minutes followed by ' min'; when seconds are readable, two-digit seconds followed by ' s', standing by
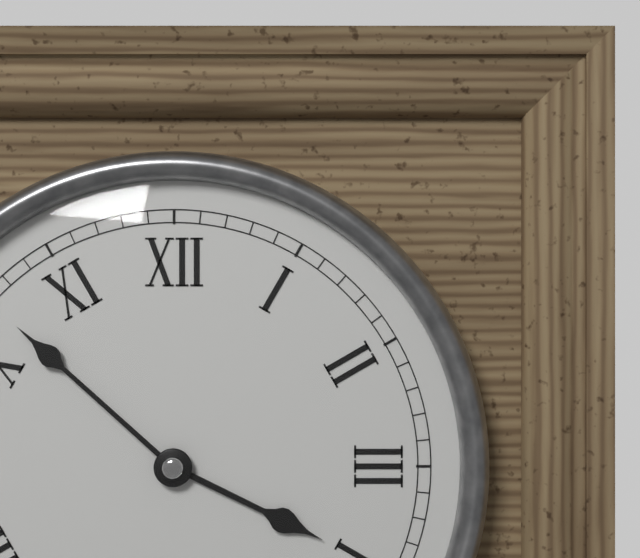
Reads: 3 h 52 min
